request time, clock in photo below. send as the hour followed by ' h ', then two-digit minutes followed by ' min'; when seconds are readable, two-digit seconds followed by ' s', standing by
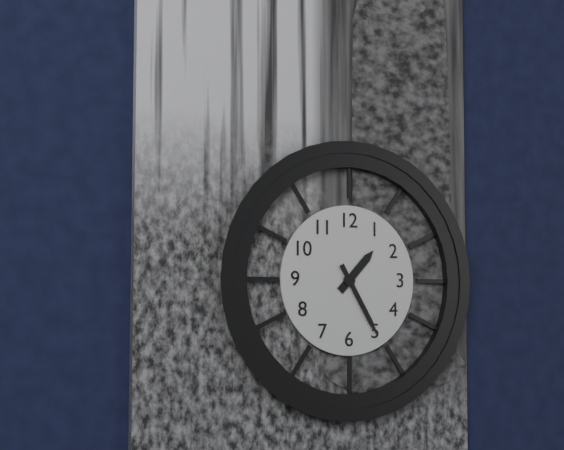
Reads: 1 h 25 min
